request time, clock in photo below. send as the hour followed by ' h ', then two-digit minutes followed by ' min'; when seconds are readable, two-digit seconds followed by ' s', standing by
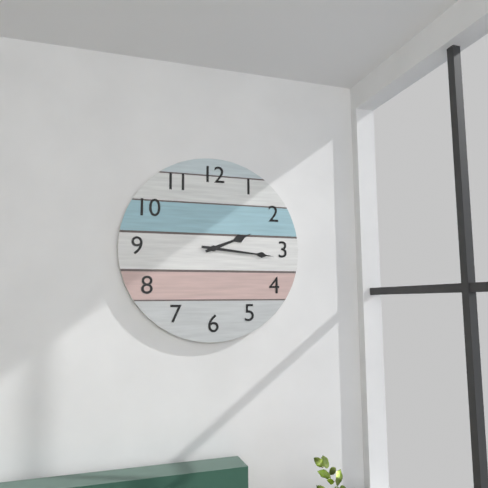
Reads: 2 h 16 min
